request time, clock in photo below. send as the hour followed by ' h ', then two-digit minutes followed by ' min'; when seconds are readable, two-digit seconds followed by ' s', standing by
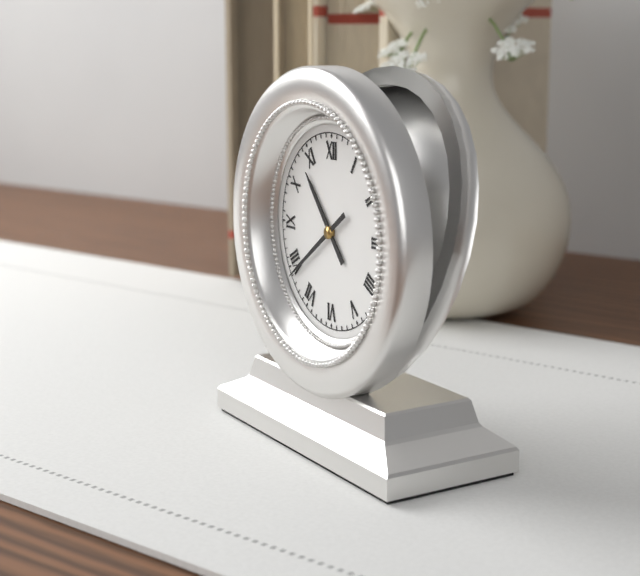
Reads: 10 h 39 min
